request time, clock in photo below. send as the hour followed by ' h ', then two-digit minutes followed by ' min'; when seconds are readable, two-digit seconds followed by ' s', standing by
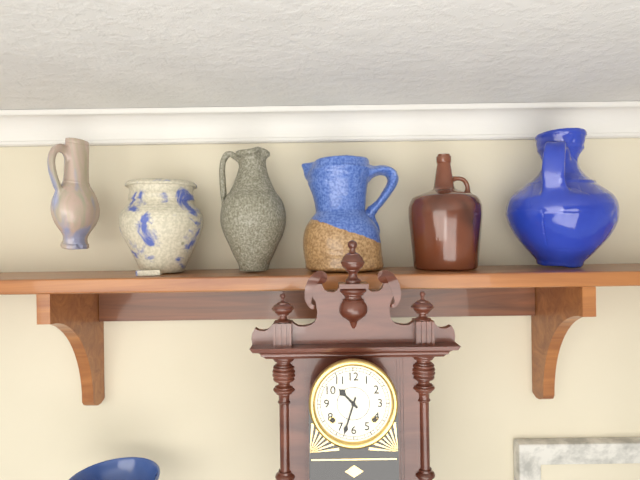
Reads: 10 h 33 min
